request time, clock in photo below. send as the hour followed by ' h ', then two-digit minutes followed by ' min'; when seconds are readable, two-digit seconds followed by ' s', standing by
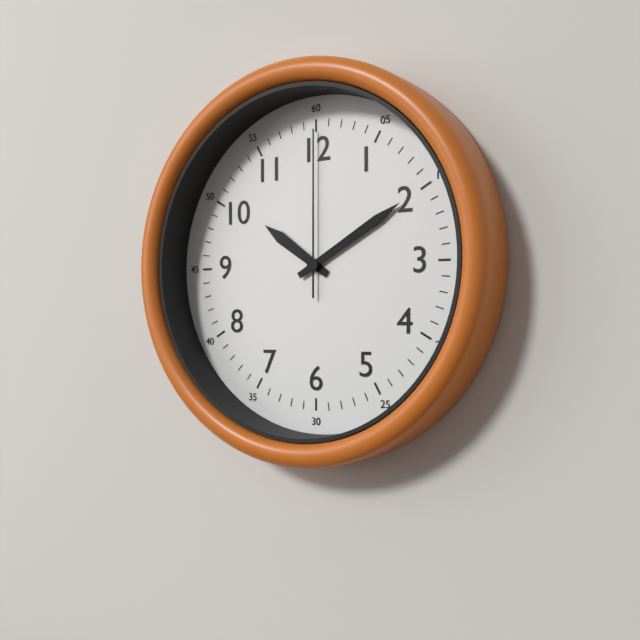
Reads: 10 h 10 min 00 s
